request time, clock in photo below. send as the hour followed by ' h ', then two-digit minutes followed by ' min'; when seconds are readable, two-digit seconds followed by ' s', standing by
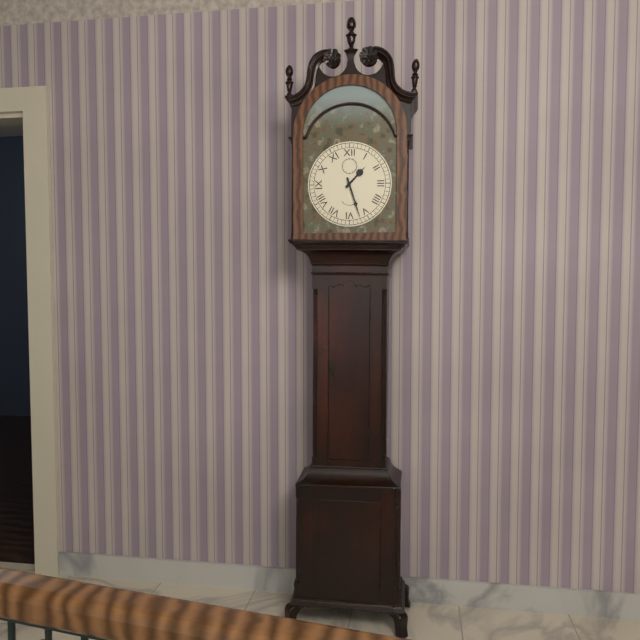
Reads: 1 h 27 min
